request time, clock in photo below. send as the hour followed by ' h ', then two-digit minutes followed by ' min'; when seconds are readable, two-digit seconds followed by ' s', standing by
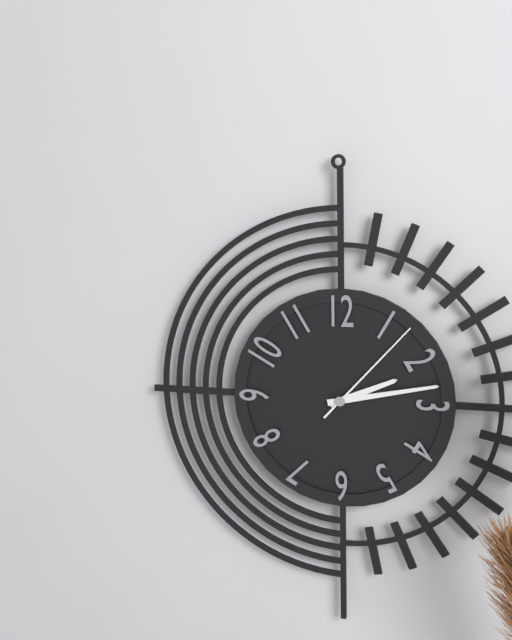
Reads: 2 h 13 min 07 s
